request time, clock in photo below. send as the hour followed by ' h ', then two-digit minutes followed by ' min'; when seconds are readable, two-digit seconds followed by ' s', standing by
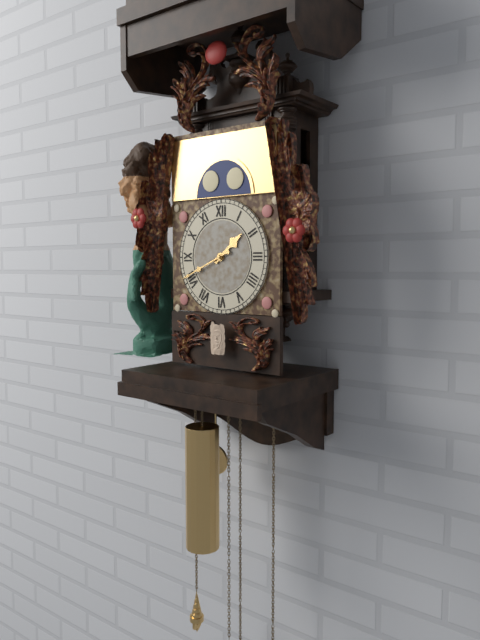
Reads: 1 h 41 min
